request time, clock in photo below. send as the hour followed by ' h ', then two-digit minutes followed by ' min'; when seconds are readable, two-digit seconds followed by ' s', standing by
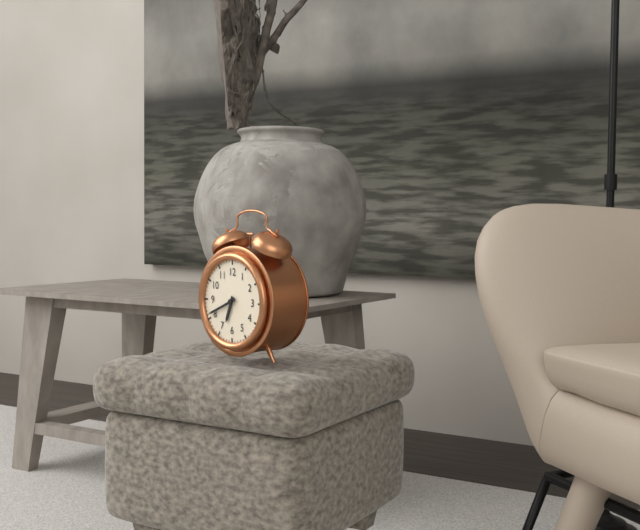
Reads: 6 h 41 min
